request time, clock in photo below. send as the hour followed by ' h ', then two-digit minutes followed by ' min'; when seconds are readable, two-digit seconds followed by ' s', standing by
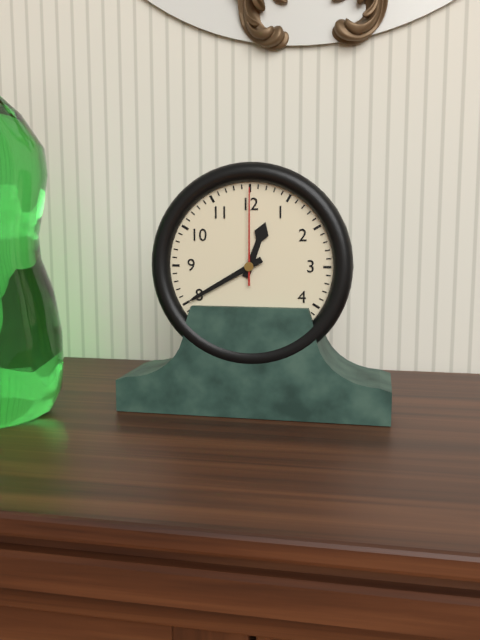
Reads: 12 h 40 min 00 s
